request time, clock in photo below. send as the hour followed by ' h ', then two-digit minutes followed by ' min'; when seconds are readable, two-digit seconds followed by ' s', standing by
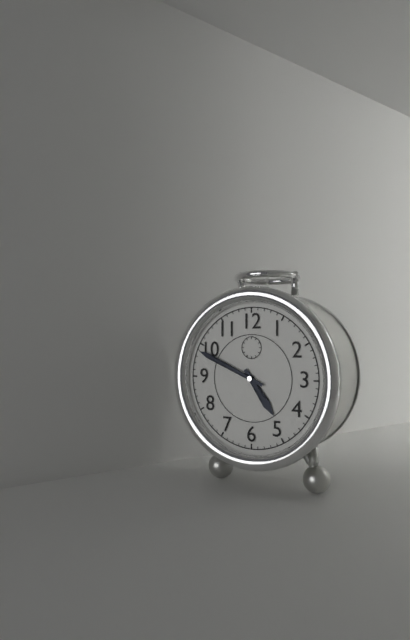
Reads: 4 h 49 min
